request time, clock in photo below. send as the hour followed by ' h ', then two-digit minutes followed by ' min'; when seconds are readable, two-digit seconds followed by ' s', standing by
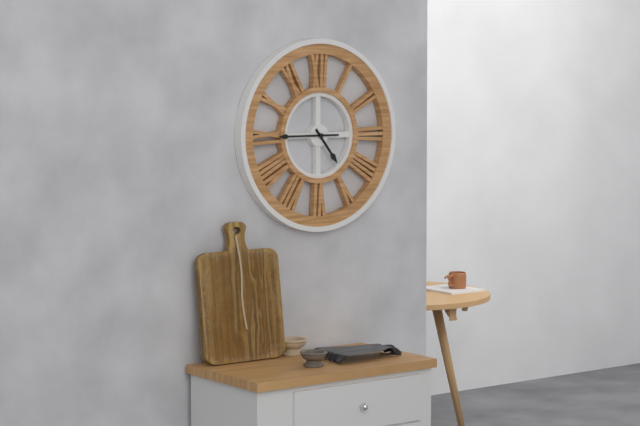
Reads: 4 h 45 min
